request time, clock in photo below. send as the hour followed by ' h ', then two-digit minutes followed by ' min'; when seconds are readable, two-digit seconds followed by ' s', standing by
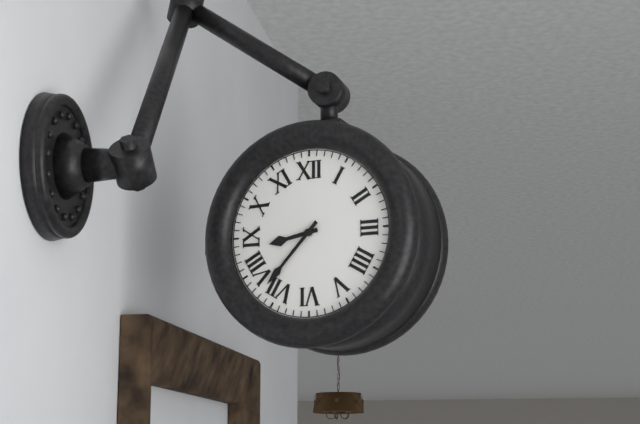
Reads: 8 h 37 min
